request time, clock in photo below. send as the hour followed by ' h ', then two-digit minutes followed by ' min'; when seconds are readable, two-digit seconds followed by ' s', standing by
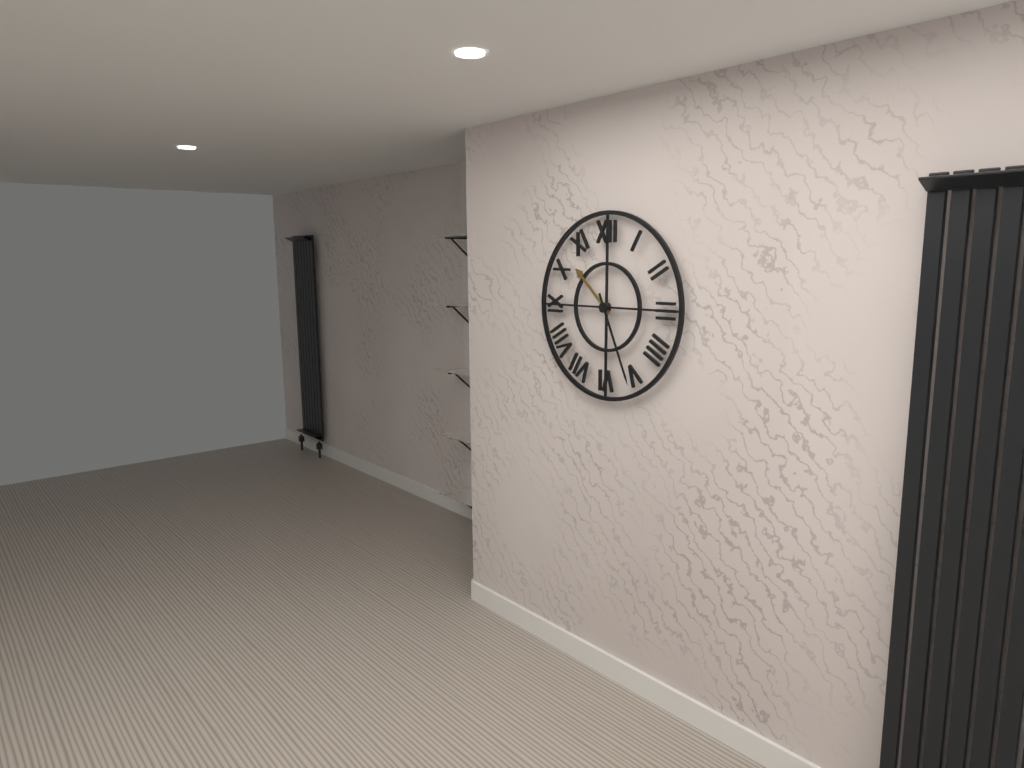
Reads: 10 h 26 min
